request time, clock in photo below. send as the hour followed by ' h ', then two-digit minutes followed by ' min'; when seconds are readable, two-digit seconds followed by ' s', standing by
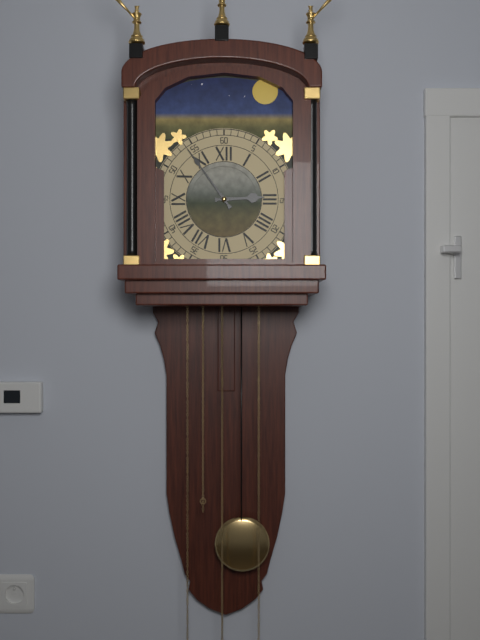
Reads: 2 h 54 min
